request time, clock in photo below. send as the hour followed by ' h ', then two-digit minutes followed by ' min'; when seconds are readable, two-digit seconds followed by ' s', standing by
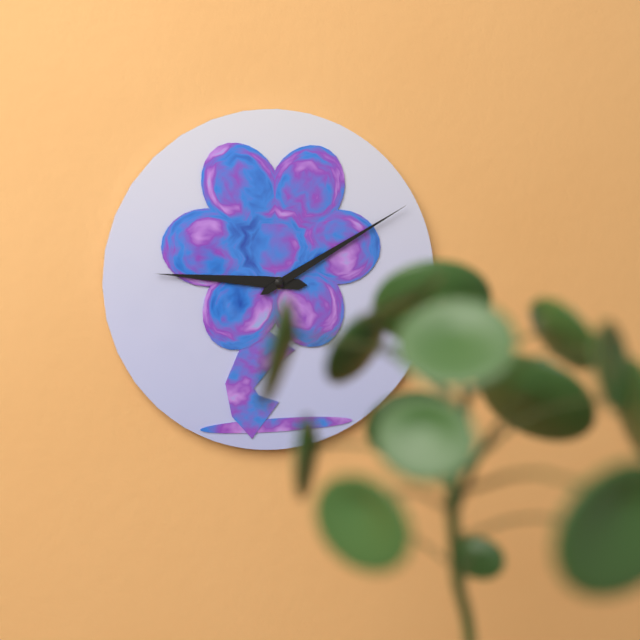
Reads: 9 h 10 min
